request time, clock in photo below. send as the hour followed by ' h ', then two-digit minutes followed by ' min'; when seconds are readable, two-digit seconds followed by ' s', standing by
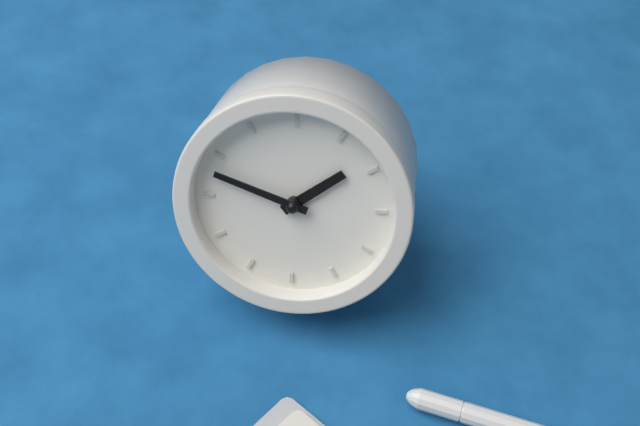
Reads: 12 h 43 min
